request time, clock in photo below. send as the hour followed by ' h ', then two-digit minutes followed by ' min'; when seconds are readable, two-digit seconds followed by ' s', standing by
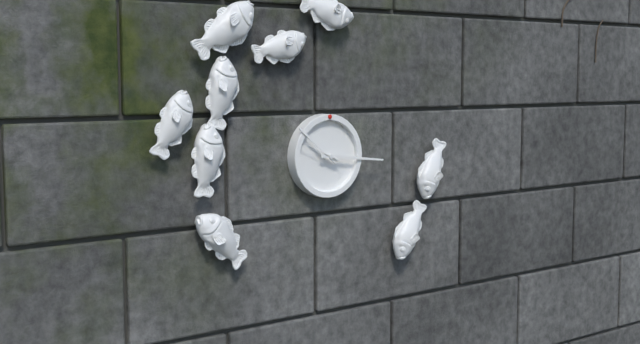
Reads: 10 h 16 min
